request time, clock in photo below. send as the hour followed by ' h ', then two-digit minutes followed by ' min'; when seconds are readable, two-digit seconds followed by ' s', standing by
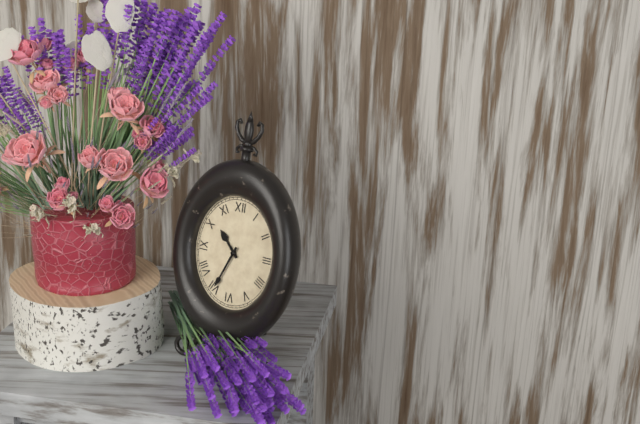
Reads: 10 h 34 min
